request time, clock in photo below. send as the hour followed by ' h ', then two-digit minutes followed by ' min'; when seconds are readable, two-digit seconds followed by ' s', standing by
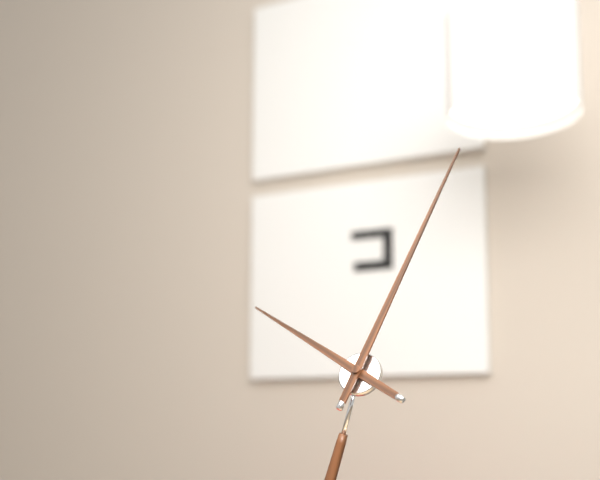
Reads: 10 h 03 min
